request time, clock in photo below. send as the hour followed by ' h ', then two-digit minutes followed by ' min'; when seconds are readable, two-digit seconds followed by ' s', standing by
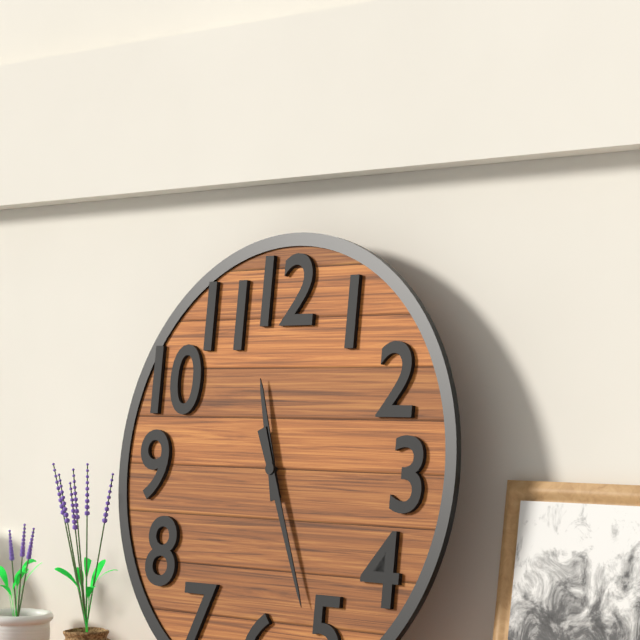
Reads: 11 h 26 min
